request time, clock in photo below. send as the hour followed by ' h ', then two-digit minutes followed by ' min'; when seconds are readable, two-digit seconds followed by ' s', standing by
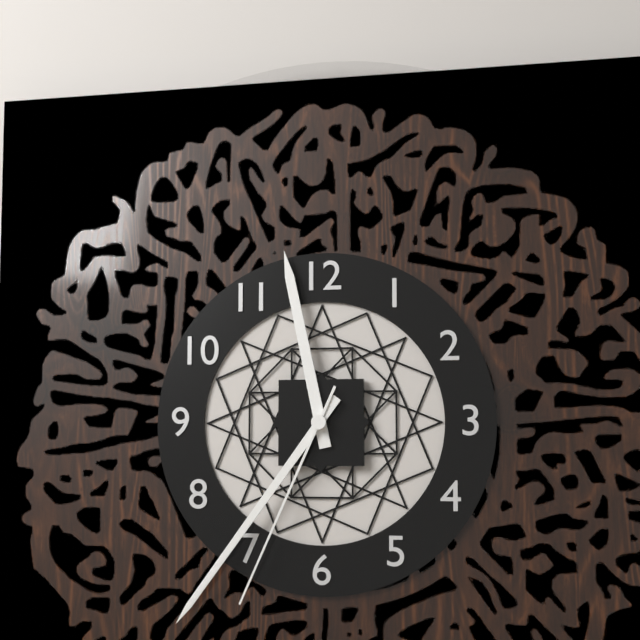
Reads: 11 h 36 min 34 s
